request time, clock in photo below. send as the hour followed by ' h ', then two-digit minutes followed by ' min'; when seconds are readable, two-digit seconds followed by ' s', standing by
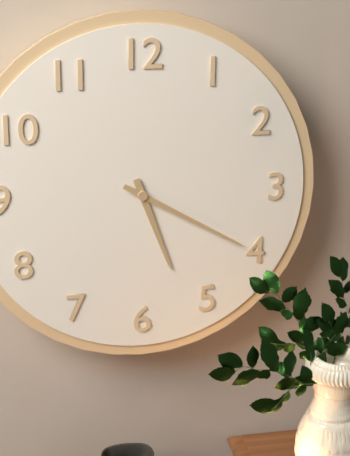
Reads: 5 h 20 min
